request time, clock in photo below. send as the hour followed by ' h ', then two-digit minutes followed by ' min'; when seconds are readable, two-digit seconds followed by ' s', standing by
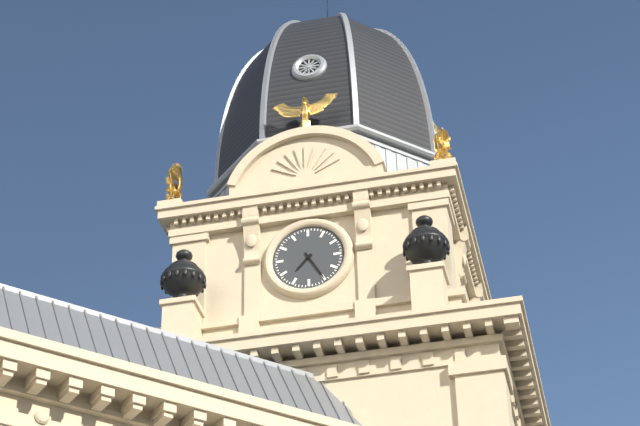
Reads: 7 h 25 min
